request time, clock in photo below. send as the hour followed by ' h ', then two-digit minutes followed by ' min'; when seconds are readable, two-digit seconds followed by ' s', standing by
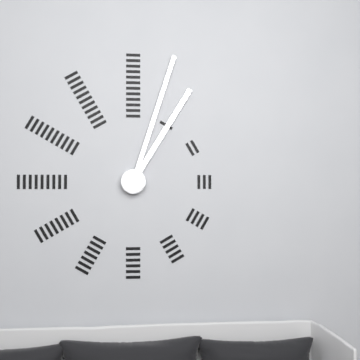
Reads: 1 h 03 min
